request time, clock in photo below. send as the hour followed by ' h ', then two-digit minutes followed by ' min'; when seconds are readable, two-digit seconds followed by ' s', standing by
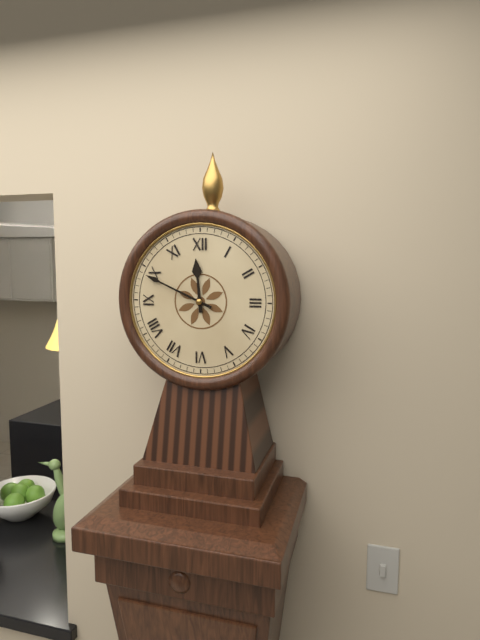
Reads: 11 h 49 min
